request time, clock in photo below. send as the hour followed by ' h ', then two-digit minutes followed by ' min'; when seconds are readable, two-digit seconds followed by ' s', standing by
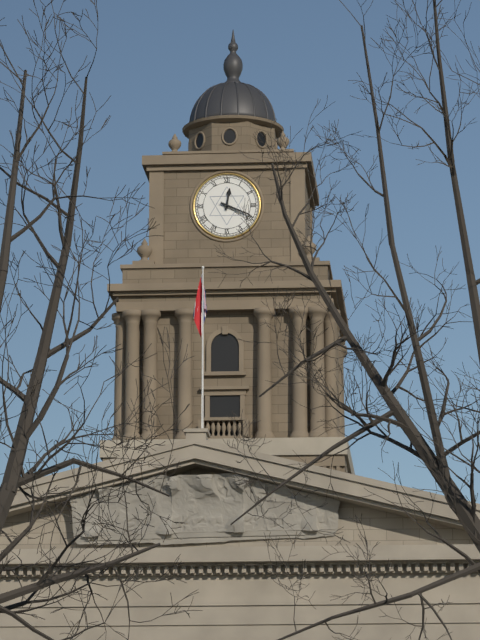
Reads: 12 h 19 min
